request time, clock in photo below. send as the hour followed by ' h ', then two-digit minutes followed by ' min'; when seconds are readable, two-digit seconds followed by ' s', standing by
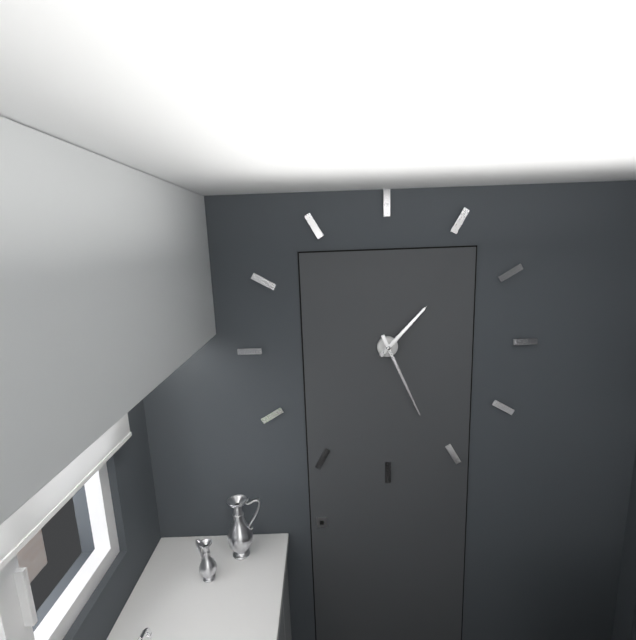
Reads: 1 h 26 min
